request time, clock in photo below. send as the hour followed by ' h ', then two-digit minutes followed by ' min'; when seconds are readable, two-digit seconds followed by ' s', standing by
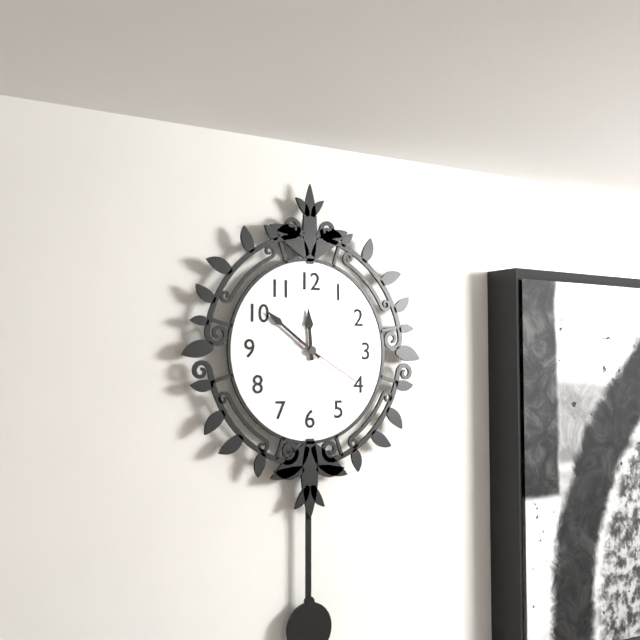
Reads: 11 h 51 min 20 s
